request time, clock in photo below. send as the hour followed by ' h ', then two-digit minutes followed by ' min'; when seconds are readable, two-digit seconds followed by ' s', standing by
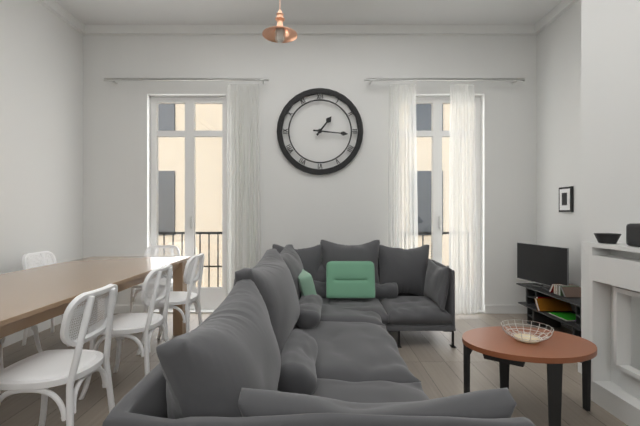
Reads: 1 h 16 min
